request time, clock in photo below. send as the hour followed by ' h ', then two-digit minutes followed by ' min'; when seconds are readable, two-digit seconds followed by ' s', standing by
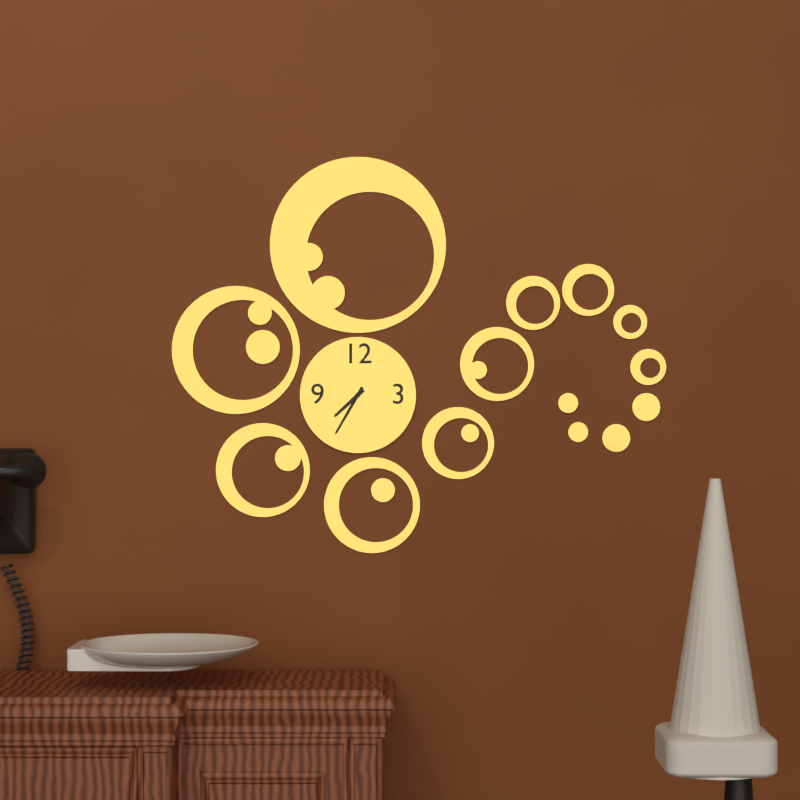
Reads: 7 h 35 min
